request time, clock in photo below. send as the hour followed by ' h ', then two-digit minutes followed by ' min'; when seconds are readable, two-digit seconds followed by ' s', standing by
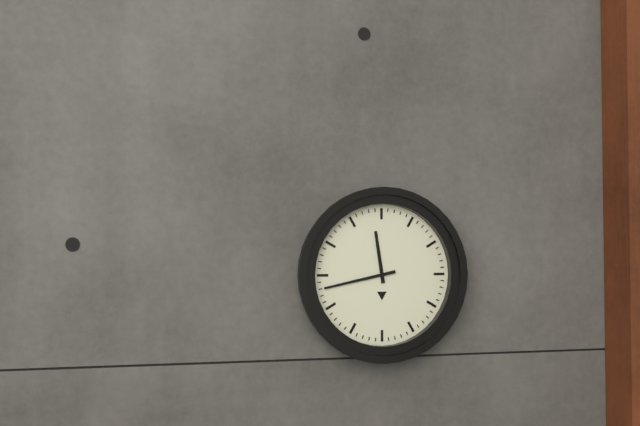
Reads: 11 h 43 min
